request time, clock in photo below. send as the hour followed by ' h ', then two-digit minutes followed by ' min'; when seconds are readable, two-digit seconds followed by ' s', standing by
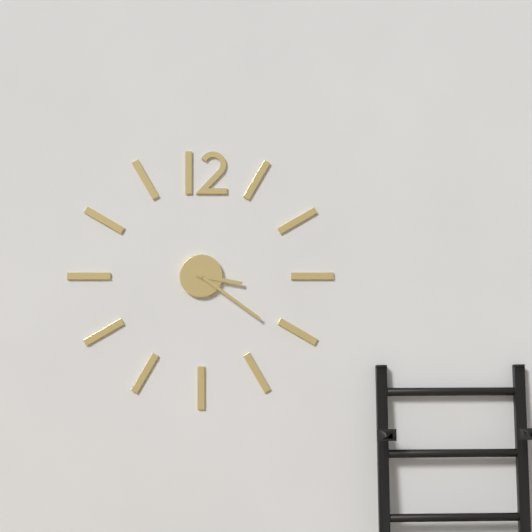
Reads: 3 h 21 min
